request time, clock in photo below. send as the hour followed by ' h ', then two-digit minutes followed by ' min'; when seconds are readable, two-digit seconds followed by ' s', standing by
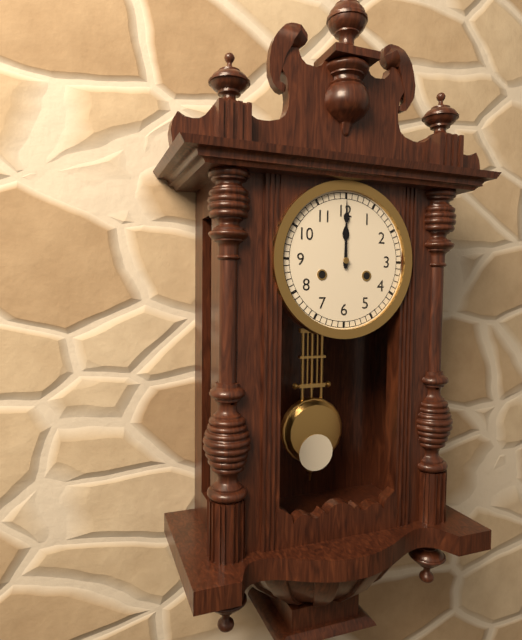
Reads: 12 h 00 min
